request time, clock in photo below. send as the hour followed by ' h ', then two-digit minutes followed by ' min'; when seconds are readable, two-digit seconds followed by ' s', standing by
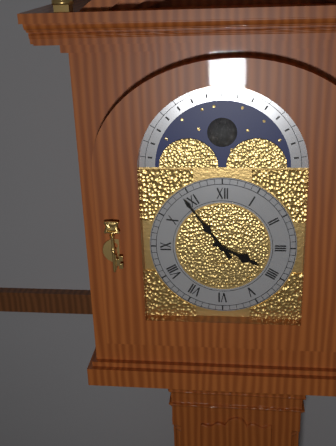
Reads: 3 h 54 min
